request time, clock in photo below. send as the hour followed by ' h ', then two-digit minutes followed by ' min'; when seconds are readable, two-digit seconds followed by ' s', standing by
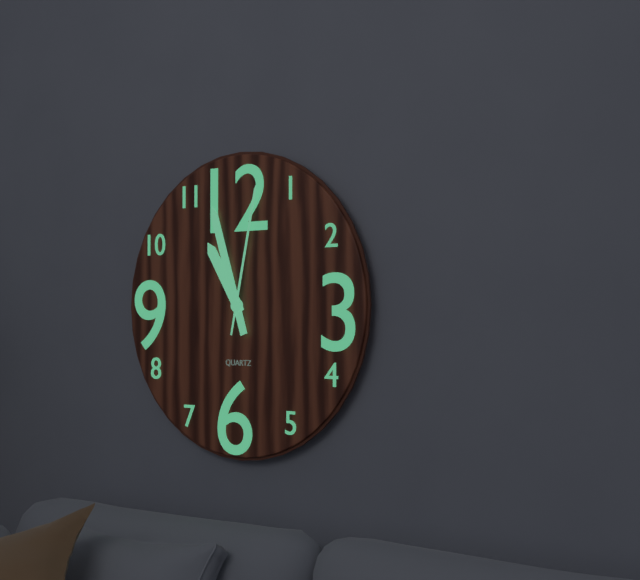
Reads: 10 h 57 min 02 s
